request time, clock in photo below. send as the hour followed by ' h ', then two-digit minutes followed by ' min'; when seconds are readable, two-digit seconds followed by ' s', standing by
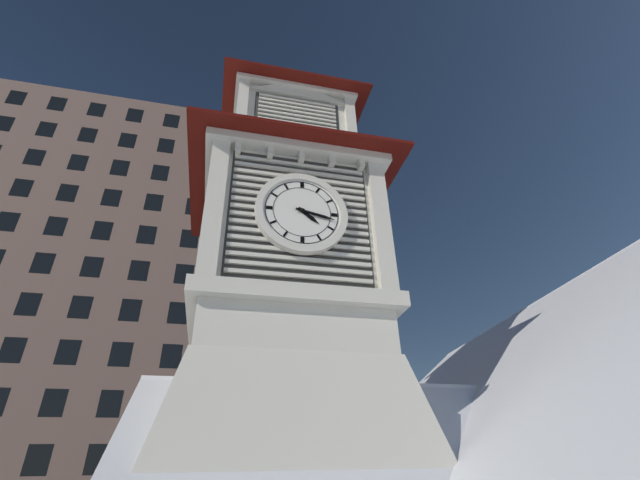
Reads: 4 h 17 min
